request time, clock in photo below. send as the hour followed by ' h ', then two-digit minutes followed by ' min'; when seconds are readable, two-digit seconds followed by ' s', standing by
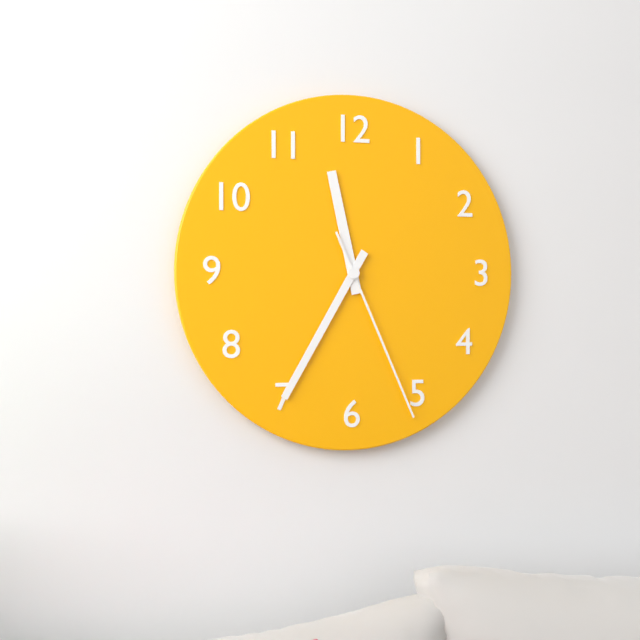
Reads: 11 h 35 min 26 s
